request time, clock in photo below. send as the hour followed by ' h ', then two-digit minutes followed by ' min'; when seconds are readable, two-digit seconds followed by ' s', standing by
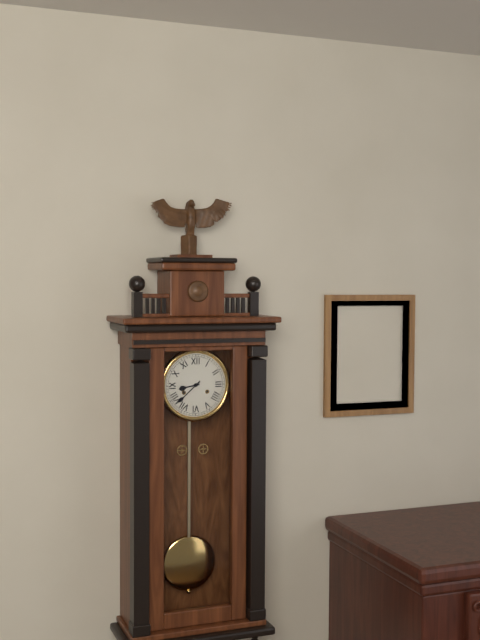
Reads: 8 h 38 min
